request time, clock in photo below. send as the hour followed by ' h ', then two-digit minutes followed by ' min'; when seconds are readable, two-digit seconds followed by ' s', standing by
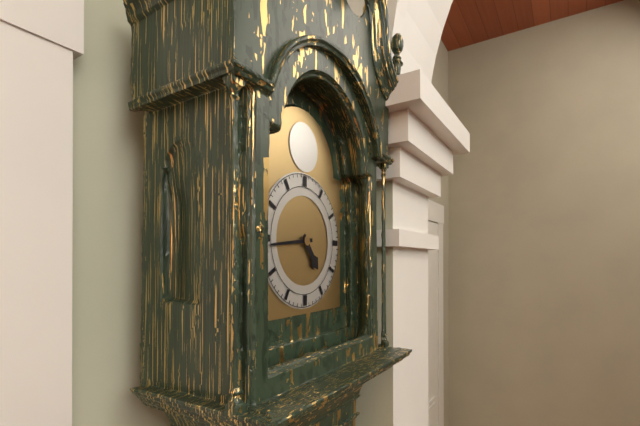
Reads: 4 h 44 min
